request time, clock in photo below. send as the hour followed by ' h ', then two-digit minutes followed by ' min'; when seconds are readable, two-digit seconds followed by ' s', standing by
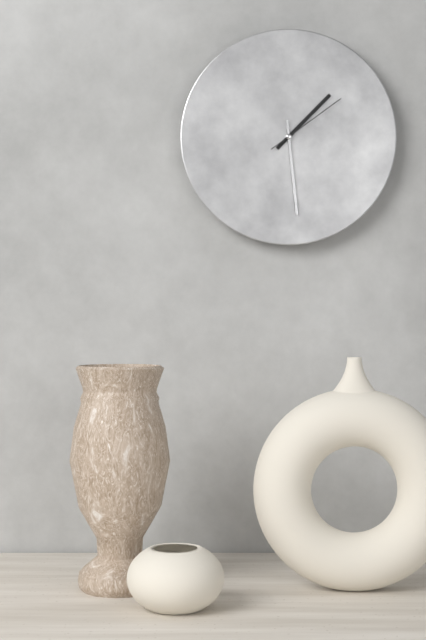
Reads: 1 h 29 min 09 s
